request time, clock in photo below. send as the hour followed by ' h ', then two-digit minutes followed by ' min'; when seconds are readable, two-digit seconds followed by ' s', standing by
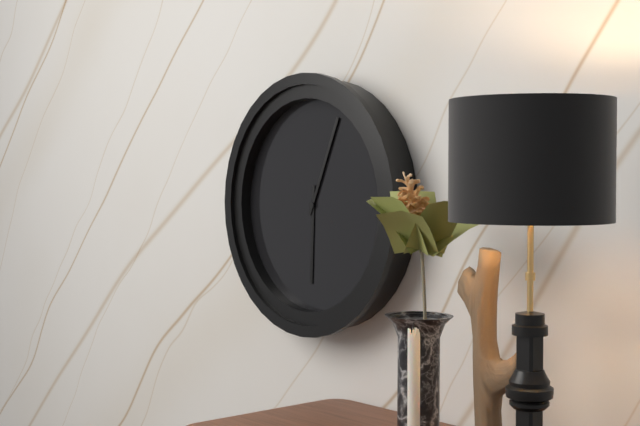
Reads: 6 h 04 min
